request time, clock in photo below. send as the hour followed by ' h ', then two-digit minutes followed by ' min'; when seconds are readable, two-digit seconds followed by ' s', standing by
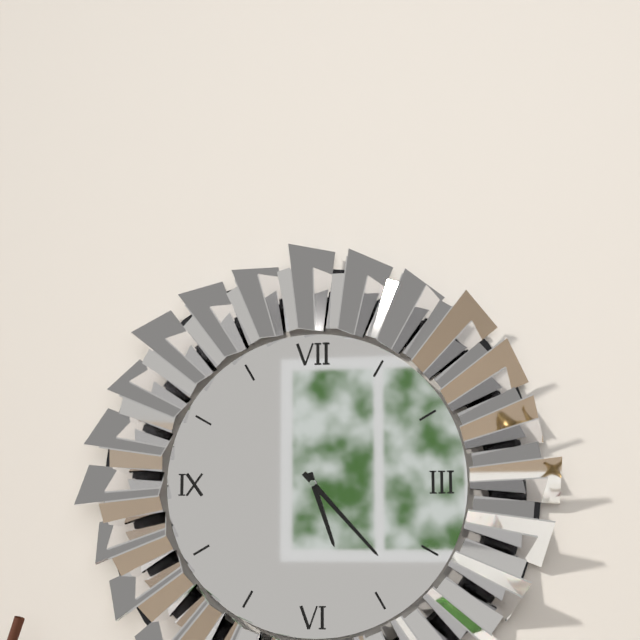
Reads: 5 h 23 min
